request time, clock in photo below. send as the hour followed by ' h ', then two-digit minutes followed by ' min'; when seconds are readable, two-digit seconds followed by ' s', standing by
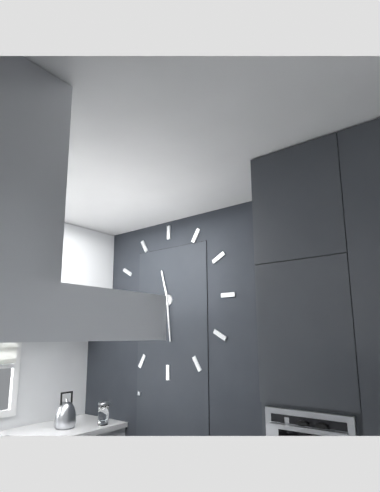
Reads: 11 h 29 min
